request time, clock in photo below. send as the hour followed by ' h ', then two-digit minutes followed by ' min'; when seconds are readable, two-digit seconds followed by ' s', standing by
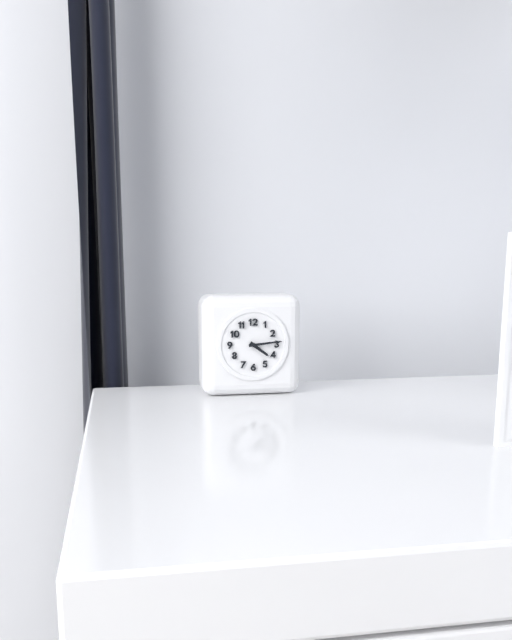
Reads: 4 h 14 min
